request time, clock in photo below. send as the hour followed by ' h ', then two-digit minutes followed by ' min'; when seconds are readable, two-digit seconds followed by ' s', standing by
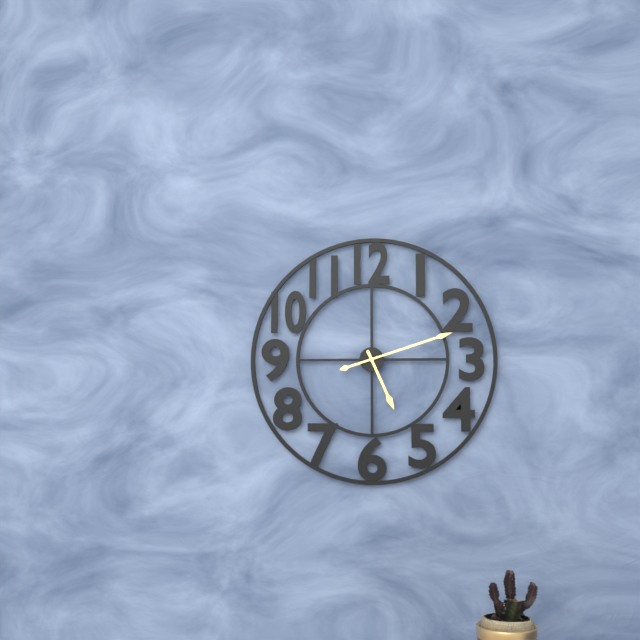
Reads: 5 h 12 min
